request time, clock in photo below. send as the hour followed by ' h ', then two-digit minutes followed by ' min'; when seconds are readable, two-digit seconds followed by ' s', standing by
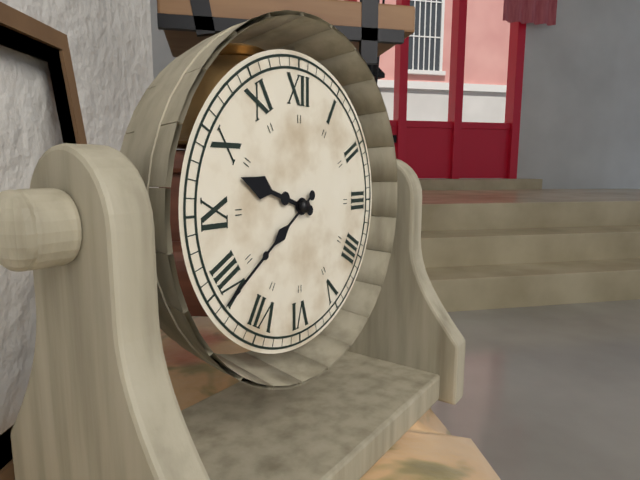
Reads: 9 h 39 min
